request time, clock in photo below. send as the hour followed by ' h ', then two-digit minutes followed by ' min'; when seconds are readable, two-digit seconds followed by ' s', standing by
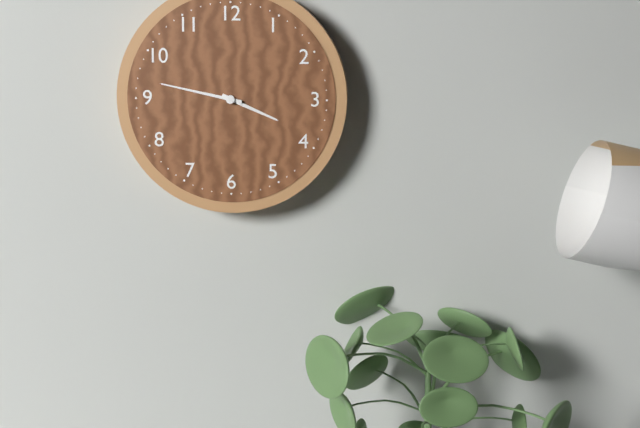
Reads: 3 h 47 min
